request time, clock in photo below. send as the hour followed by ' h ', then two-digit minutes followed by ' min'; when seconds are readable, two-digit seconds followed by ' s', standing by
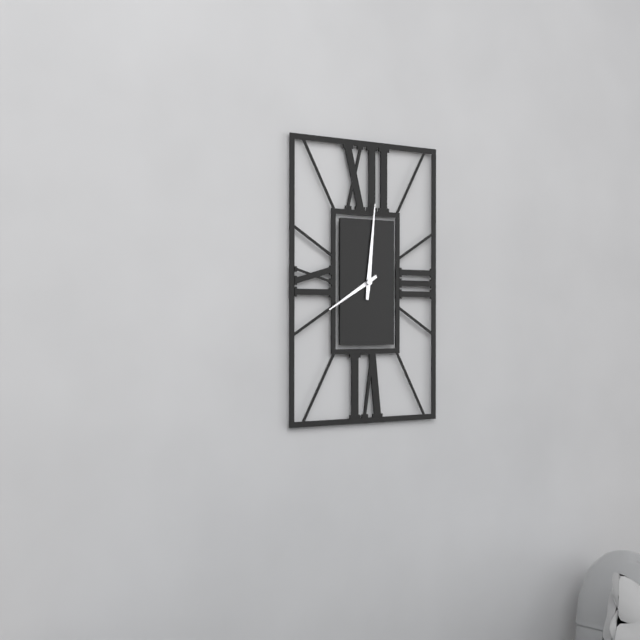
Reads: 8 h 01 min
